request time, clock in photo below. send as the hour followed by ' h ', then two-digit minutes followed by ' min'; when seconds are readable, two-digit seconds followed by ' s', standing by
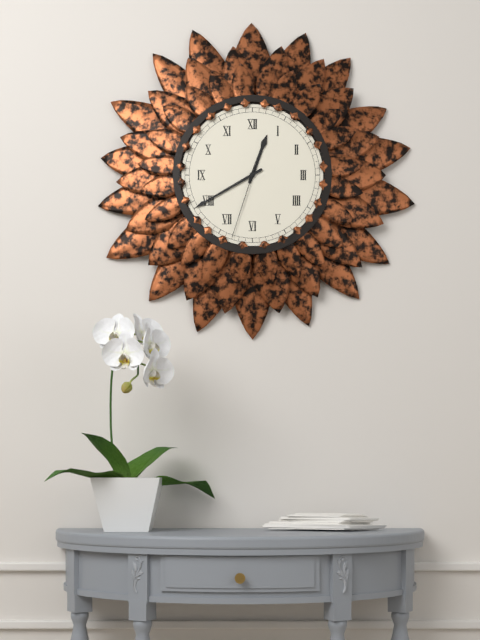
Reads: 12 h 40 min 33 s
